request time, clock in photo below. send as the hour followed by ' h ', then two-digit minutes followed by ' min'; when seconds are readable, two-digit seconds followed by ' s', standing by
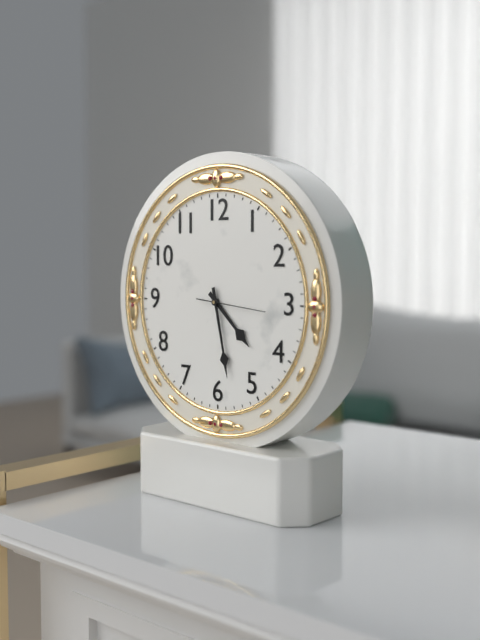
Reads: 4 h 28 min 16 s
